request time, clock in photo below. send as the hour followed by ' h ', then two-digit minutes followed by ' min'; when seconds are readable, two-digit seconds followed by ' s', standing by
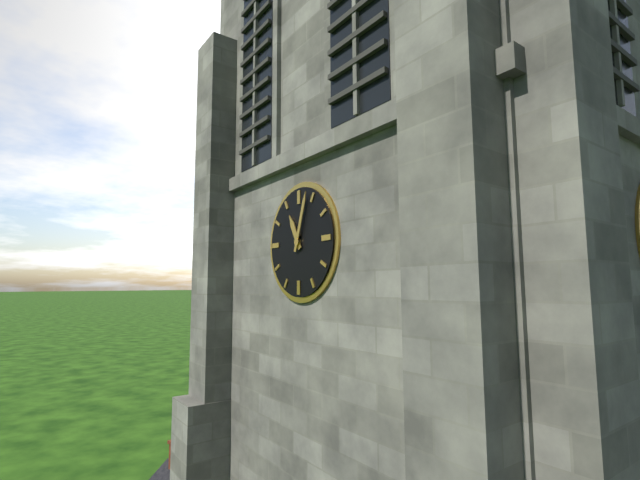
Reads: 11 h 03 min
